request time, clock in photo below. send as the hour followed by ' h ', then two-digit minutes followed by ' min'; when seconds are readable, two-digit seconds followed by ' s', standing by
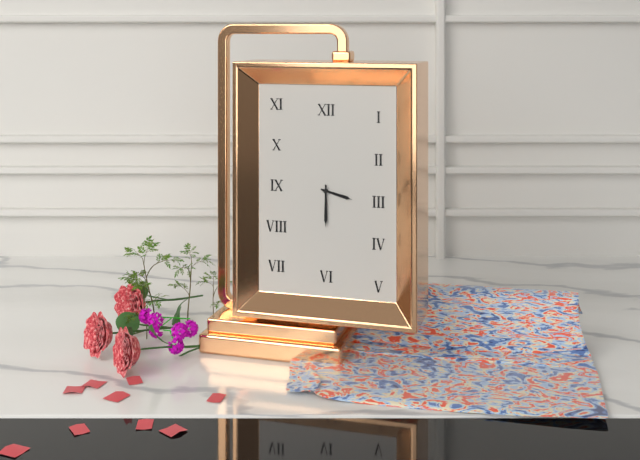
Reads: 3 h 30 min
